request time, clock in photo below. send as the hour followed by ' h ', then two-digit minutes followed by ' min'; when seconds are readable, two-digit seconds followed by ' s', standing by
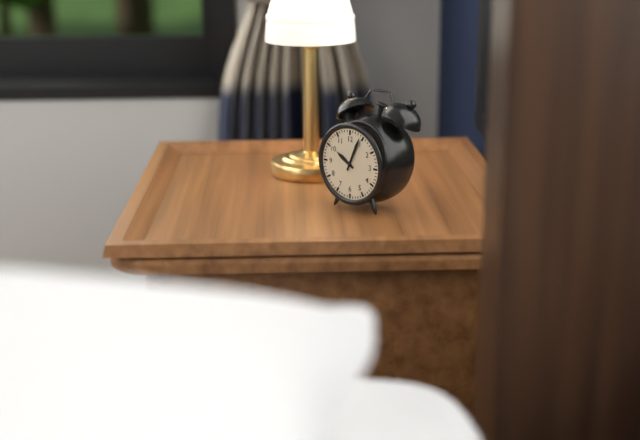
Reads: 10 h 04 min
